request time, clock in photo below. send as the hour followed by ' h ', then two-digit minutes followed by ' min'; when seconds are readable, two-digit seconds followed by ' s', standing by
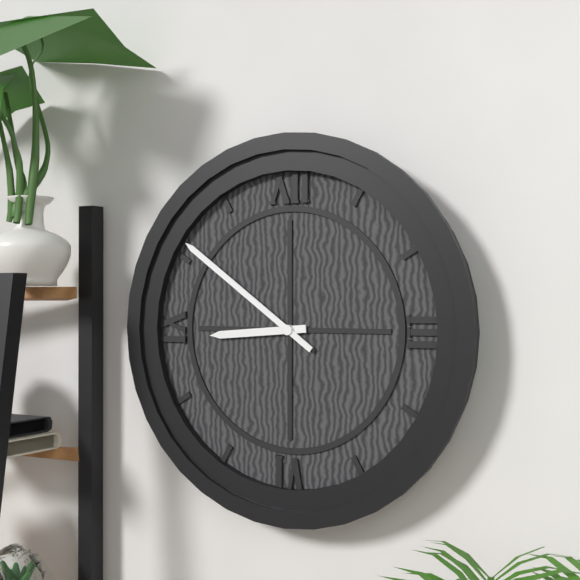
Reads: 8 h 51 min
